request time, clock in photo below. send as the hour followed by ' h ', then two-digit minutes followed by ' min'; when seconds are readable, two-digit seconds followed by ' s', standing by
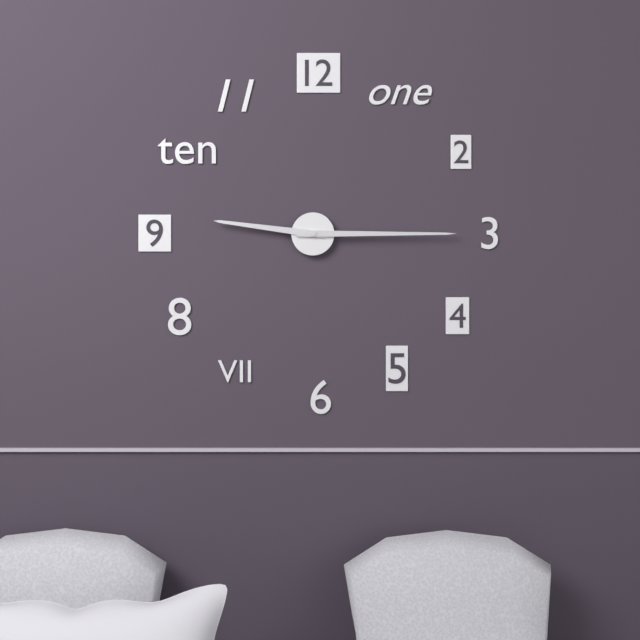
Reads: 9 h 15 min
